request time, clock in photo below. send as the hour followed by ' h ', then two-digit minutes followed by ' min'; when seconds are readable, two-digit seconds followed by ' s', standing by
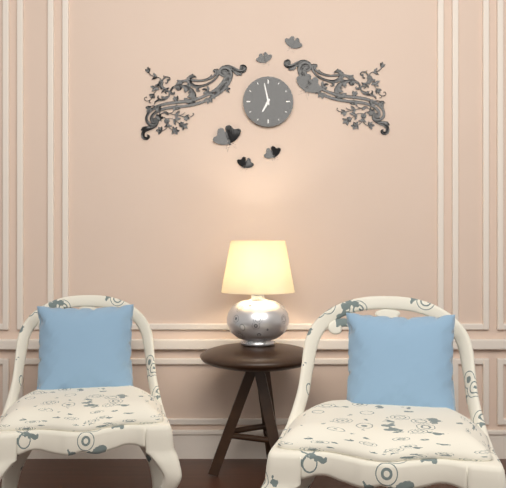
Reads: 6 h 58 min
